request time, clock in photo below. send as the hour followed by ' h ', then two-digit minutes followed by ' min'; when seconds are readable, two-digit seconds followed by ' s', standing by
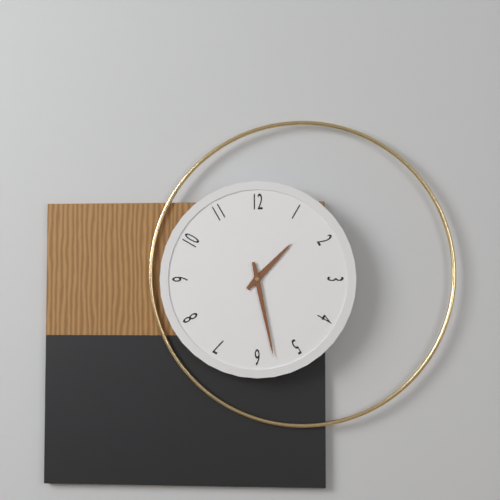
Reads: 1 h 28 min
